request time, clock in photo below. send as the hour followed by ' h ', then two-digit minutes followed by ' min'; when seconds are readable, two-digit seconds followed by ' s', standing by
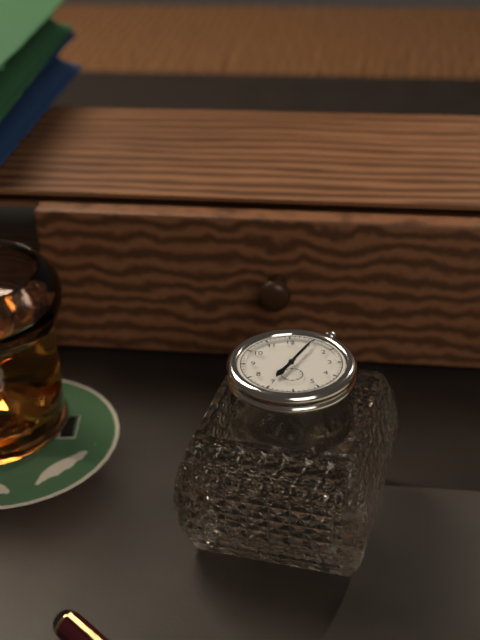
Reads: 7 h 05 min
